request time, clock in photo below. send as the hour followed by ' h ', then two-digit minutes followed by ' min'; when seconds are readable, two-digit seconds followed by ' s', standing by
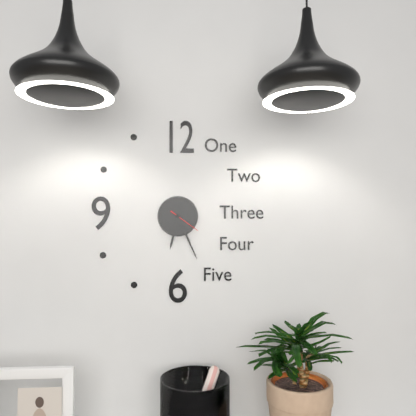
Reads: 6 h 26 min
